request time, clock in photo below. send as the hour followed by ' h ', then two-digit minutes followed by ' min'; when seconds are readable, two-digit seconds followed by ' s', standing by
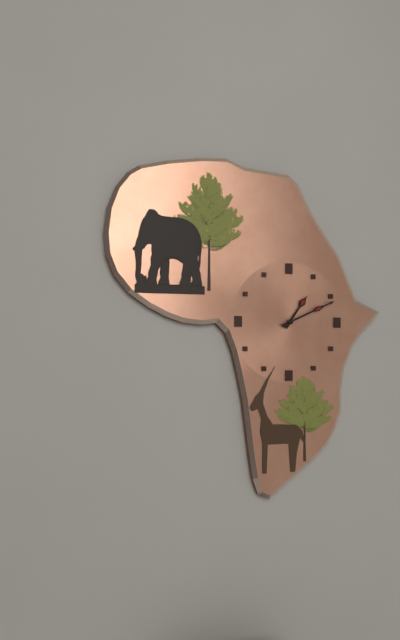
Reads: 1 h 11 min
